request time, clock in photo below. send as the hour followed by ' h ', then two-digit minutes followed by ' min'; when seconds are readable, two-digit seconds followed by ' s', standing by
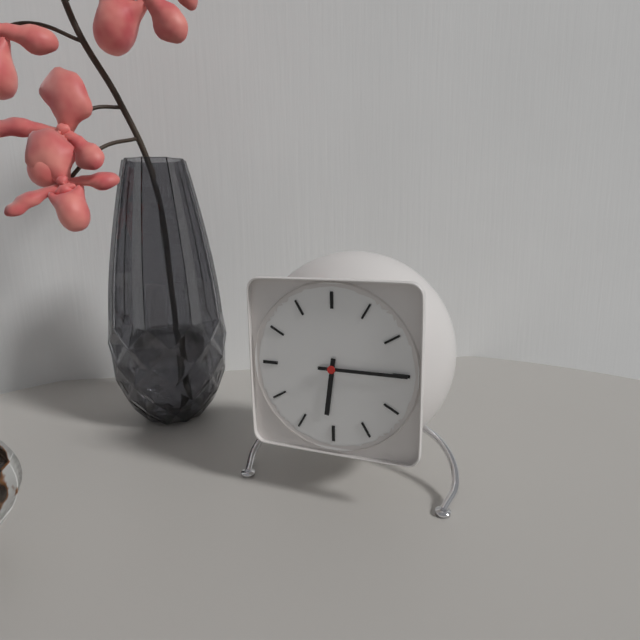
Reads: 6 h 15 min
